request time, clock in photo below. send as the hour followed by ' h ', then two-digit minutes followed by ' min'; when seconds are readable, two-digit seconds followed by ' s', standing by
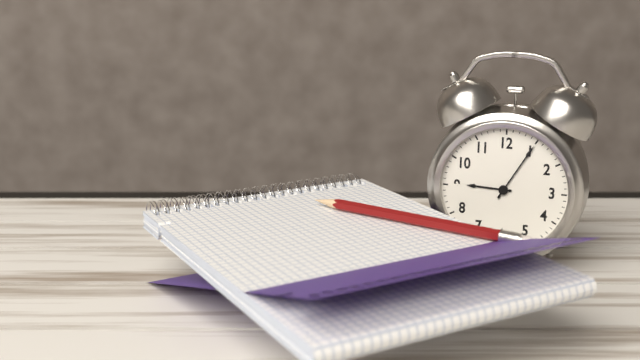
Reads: 9 h 05 min
